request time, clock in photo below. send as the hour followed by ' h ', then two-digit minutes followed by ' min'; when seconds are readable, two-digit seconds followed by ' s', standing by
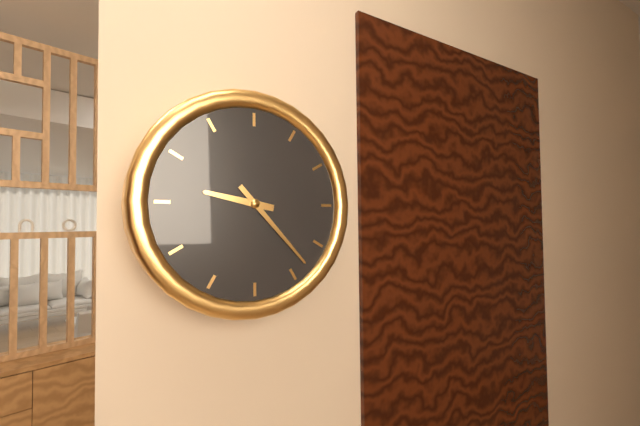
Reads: 9 h 23 min
